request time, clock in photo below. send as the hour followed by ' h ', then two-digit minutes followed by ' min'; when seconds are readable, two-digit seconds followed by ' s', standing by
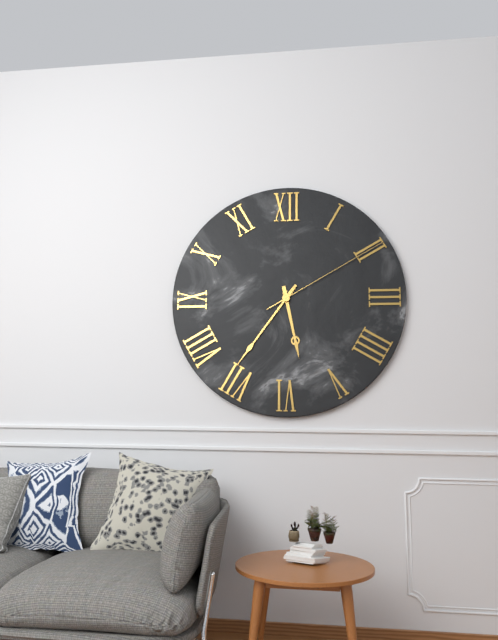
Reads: 5 h 36 min 10 s
